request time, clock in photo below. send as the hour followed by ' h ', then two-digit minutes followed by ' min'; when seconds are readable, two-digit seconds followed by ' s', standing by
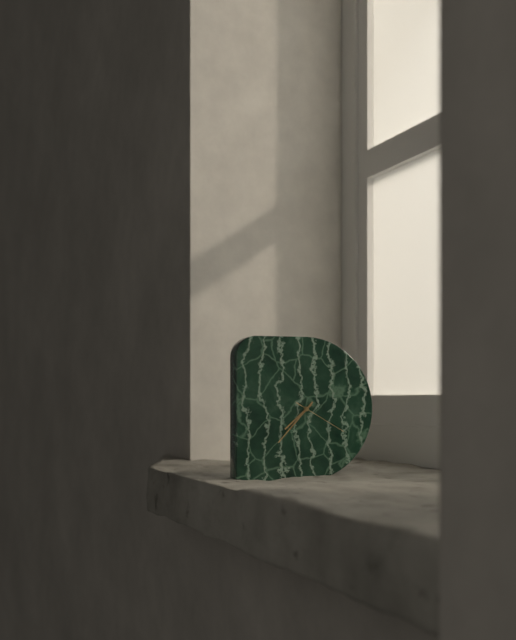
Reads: 7 h 37 min 20 s
